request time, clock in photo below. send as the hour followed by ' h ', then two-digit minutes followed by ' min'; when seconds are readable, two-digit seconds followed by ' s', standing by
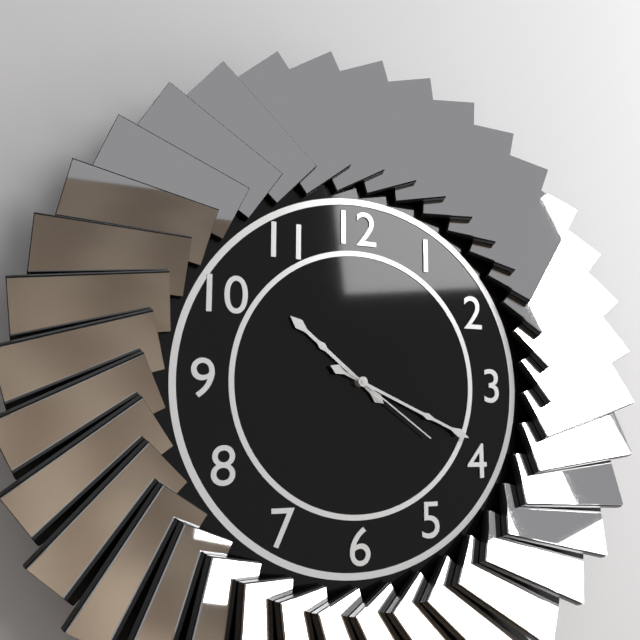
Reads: 10 h 19 min 21 s
